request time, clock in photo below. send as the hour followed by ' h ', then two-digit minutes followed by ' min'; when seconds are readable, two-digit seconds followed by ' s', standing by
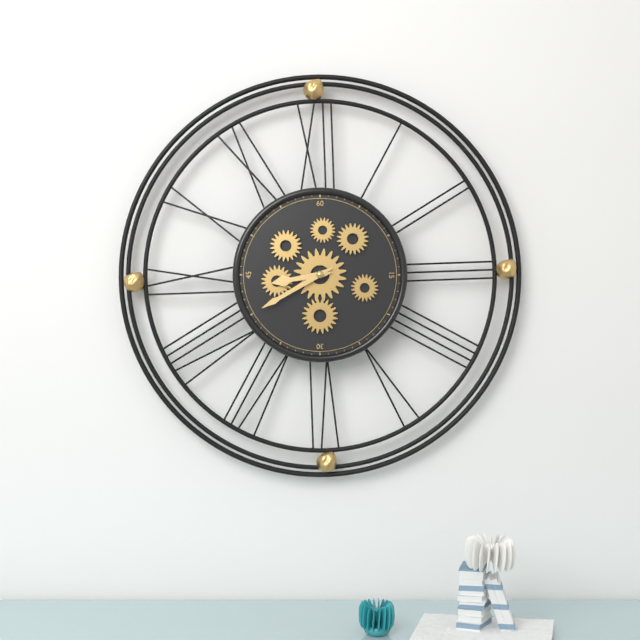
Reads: 8 h 40 min
